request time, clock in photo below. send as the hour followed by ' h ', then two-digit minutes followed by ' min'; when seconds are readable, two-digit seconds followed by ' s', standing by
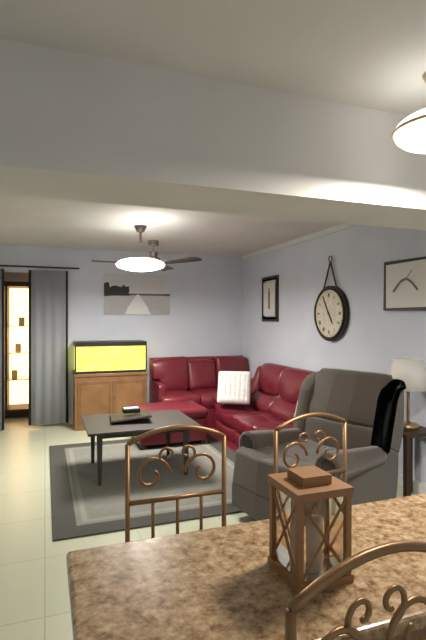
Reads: 4 h 55 min
